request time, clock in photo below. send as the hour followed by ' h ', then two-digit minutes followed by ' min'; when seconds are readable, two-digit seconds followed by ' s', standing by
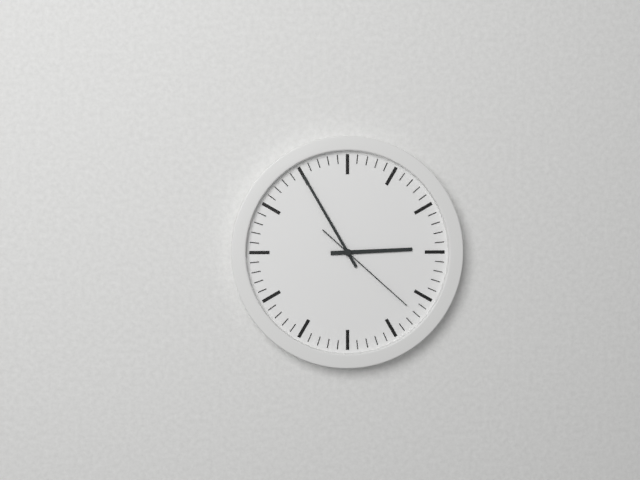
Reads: 2 h 55 min 22 s
